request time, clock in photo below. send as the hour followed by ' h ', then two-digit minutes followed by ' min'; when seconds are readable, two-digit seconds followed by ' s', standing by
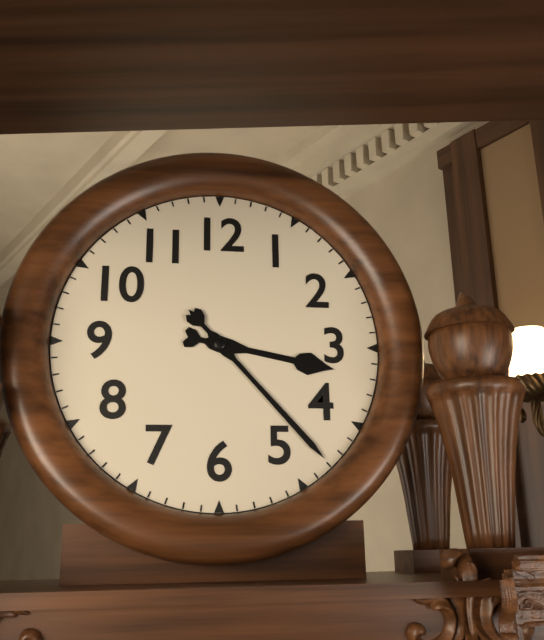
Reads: 3 h 23 min
